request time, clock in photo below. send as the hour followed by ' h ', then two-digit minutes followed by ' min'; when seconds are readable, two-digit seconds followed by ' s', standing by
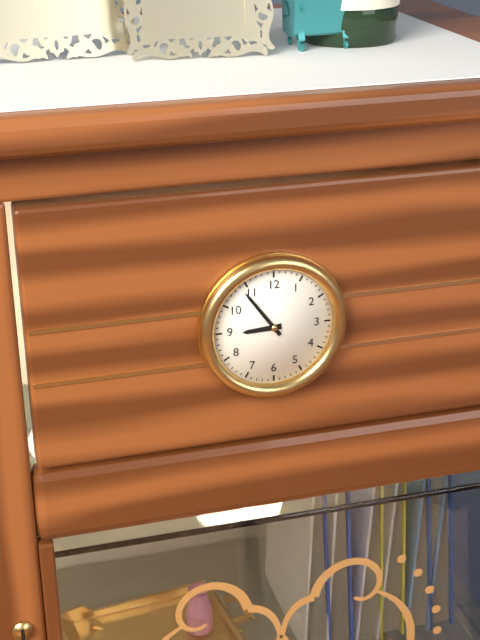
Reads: 8 h 54 min
